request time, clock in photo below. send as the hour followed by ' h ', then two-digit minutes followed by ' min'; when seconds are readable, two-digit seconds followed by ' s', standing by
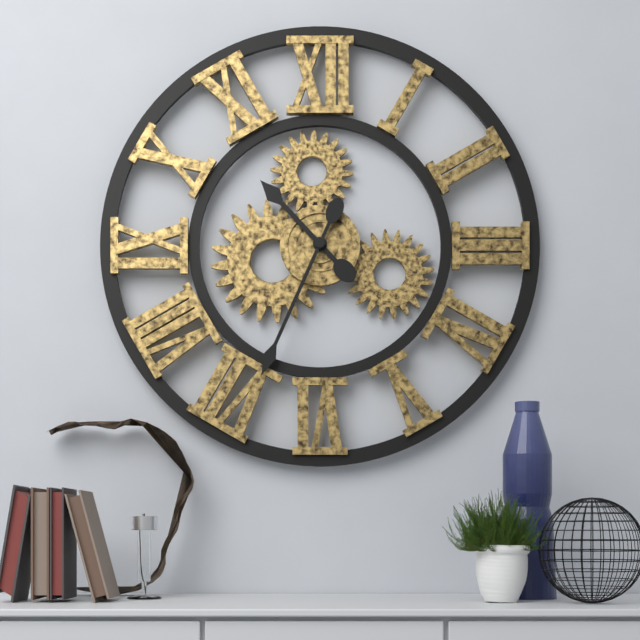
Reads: 10 h 34 min
